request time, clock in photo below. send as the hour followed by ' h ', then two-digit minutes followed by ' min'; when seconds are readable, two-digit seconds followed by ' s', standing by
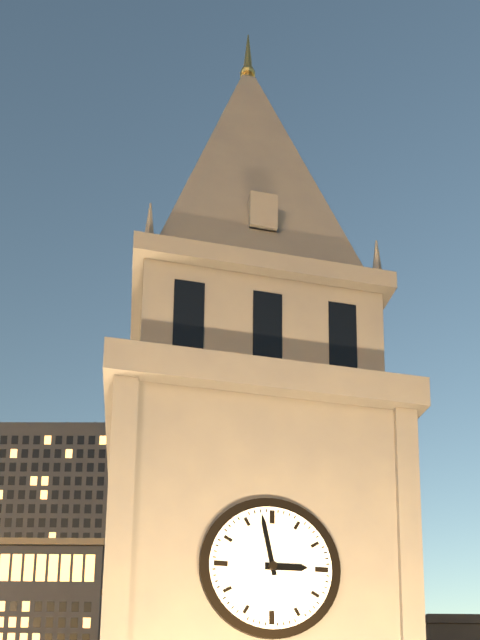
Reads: 2 h 58 min
